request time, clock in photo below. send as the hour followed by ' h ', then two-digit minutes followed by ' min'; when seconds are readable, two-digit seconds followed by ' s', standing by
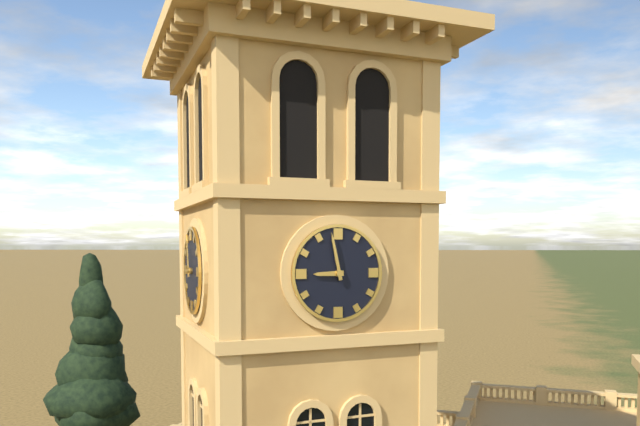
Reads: 8 h 58 min
